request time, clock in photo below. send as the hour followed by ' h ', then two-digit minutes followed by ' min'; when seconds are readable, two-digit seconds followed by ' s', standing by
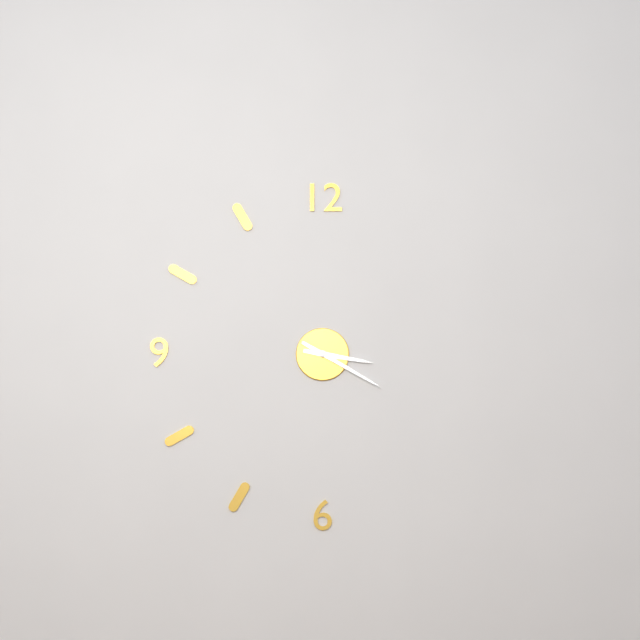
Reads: 3 h 20 min
